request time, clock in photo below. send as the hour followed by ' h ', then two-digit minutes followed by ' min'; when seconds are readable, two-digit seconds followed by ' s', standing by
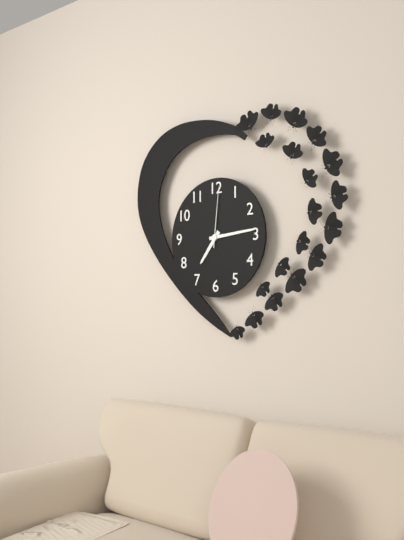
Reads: 7 h 14 min 01 s
